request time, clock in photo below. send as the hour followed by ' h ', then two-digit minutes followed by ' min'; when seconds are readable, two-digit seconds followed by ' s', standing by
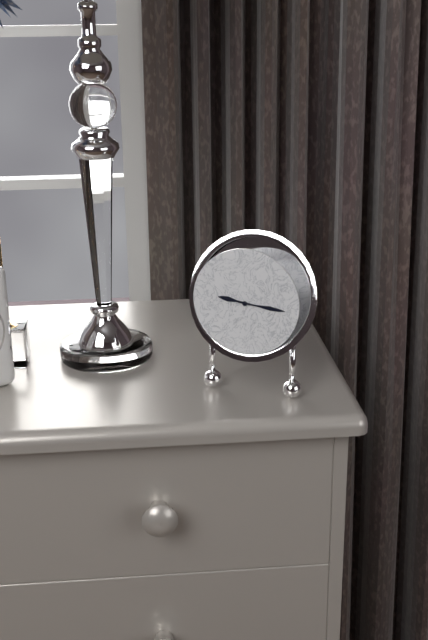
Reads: 9 h 16 min
